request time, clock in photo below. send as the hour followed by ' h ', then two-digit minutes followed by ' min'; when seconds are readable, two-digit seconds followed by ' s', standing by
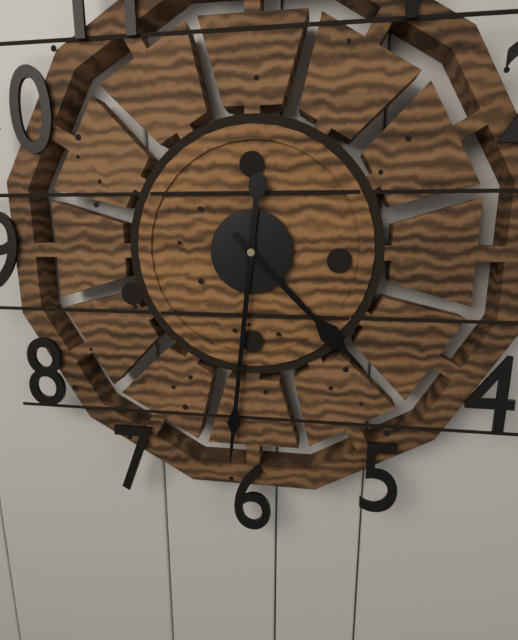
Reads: 4 h 31 min
